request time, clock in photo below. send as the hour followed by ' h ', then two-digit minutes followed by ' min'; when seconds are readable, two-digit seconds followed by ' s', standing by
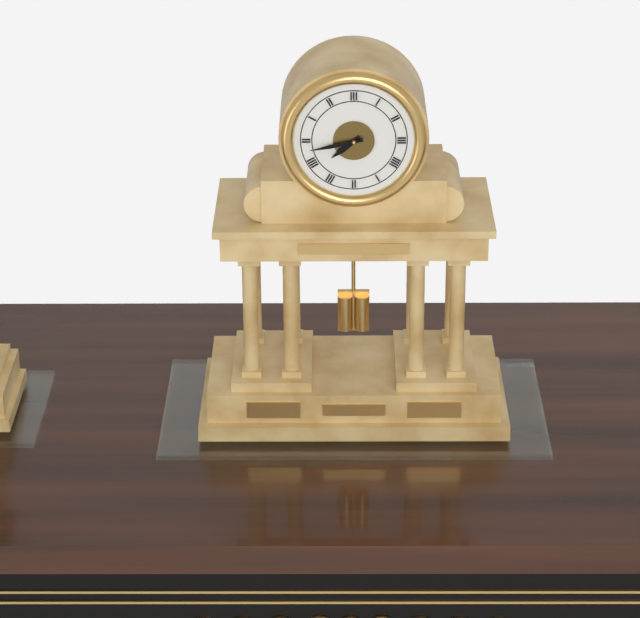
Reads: 7 h 43 min
